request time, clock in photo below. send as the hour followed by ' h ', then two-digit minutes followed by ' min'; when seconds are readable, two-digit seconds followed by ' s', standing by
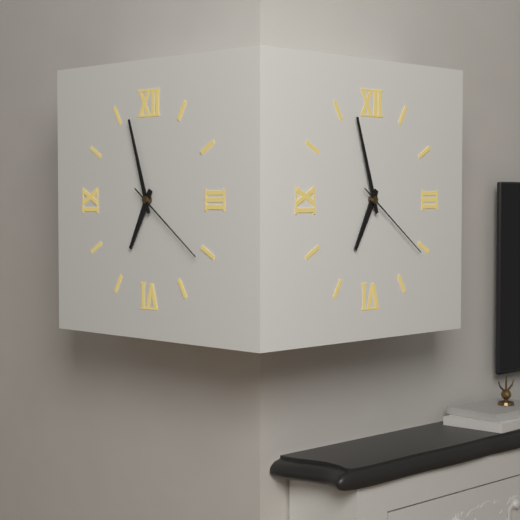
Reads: 6 h 57 min 21 s
